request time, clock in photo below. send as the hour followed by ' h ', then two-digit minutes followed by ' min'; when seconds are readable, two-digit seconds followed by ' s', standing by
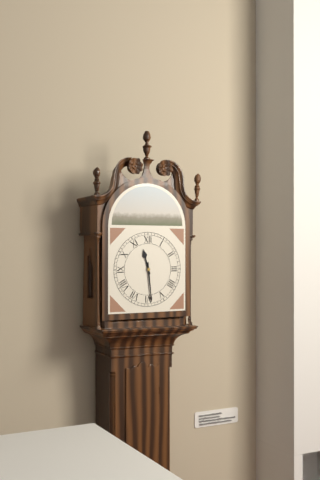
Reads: 11 h 29 min
